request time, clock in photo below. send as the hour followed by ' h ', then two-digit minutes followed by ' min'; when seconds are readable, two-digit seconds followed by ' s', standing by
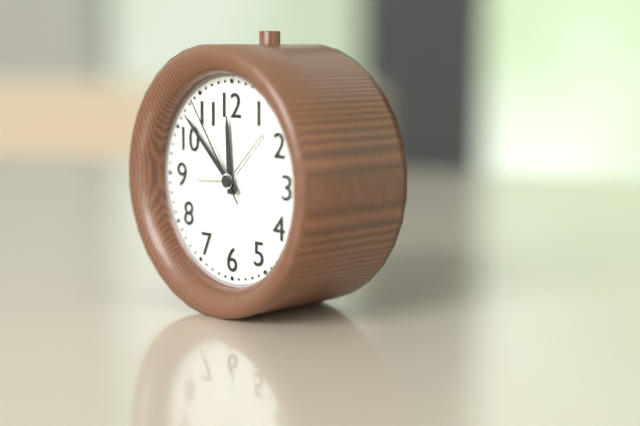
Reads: 11 h 52 min 54 s
